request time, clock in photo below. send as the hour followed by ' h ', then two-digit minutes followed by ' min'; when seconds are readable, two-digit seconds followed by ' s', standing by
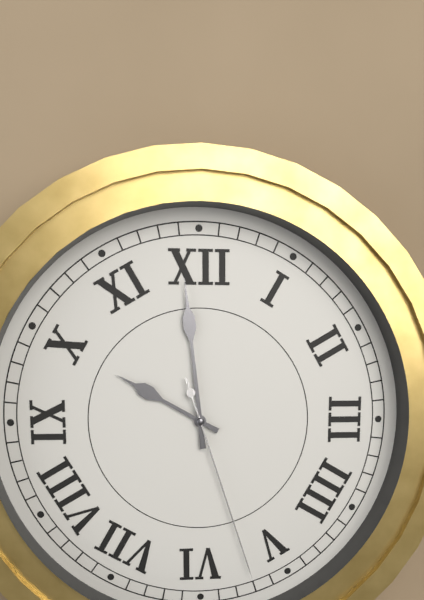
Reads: 9 h 59 min 27 s
